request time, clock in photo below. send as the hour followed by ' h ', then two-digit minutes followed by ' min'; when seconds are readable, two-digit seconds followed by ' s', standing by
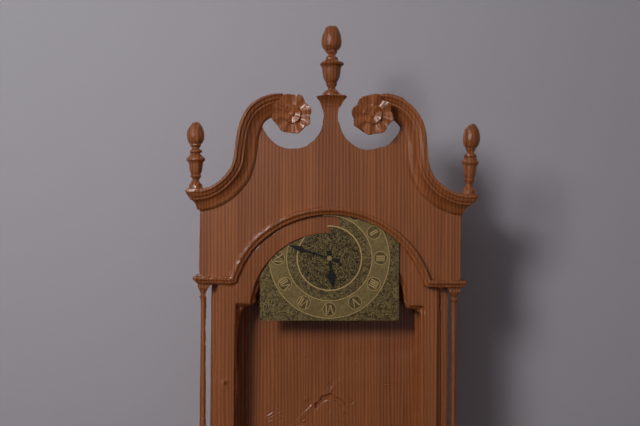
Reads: 5 h 48 min
